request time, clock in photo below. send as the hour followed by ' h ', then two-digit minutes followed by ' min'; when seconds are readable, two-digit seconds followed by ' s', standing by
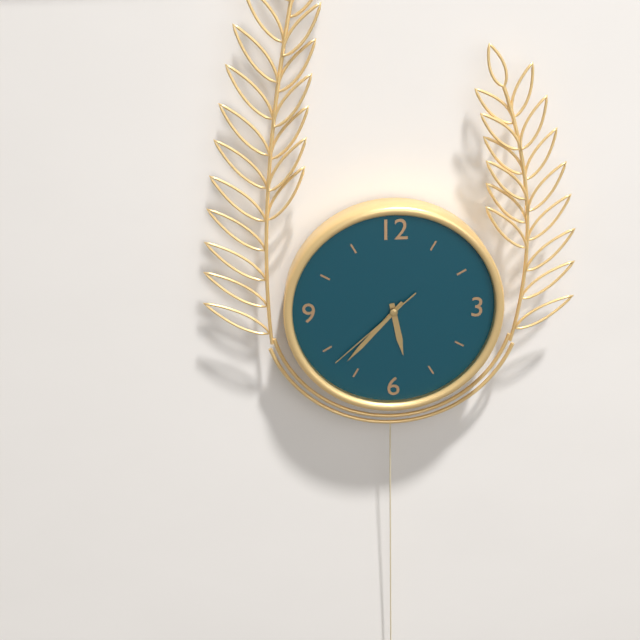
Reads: 5 h 37 min 38 s
